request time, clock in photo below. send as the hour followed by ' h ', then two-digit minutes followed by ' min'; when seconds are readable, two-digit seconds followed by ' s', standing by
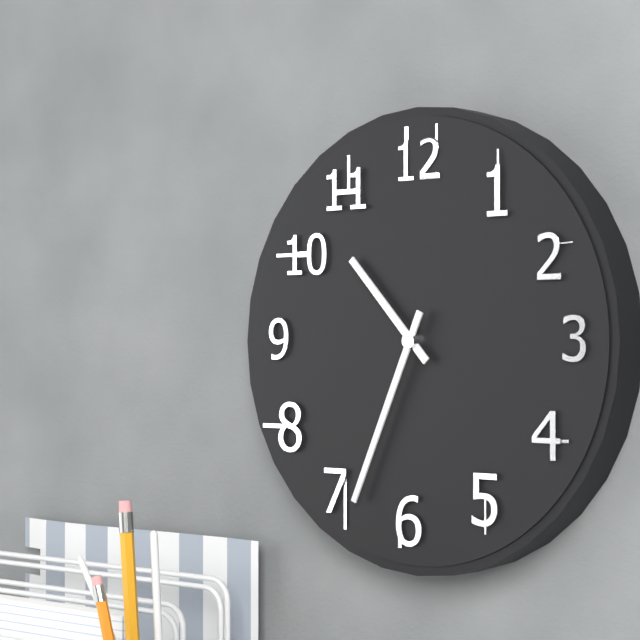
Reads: 10 h 34 min
